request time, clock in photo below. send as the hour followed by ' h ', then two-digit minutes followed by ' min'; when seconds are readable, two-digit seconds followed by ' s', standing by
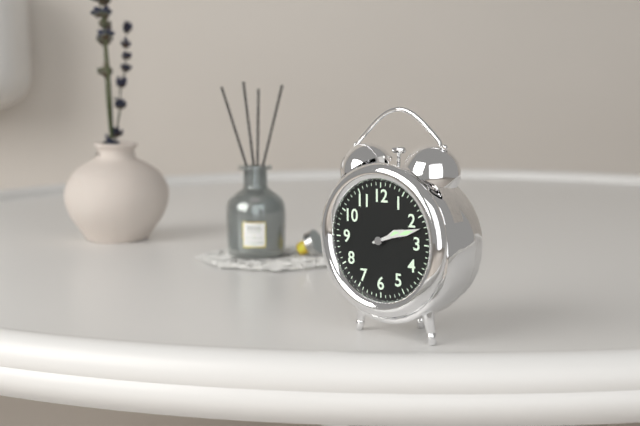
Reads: 2 h 12 min
